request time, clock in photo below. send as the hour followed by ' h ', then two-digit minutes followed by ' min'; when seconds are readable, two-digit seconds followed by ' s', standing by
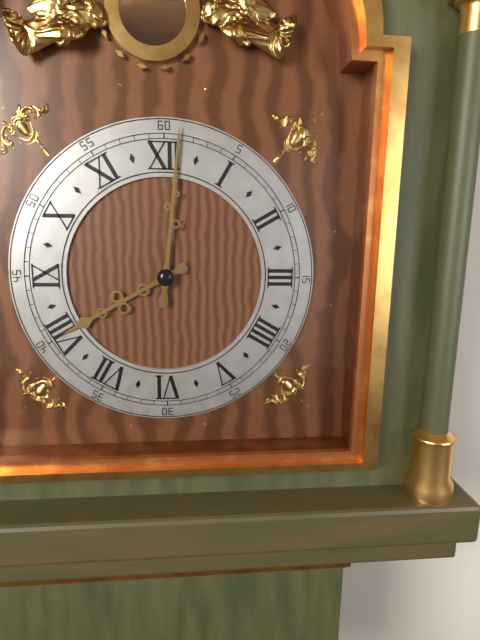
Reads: 8 h 01 min
